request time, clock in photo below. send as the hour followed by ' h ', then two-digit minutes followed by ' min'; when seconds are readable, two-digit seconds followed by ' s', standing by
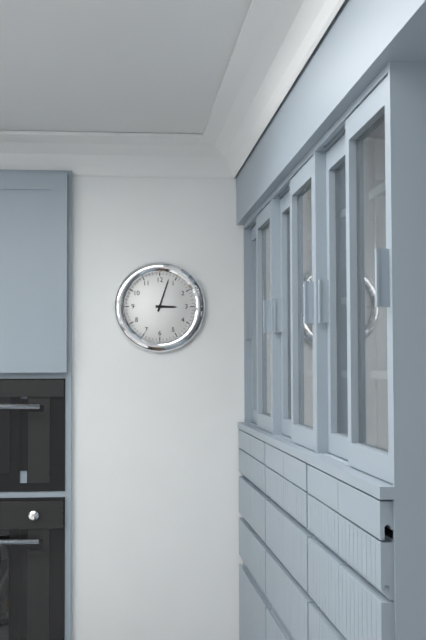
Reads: 3 h 03 min
